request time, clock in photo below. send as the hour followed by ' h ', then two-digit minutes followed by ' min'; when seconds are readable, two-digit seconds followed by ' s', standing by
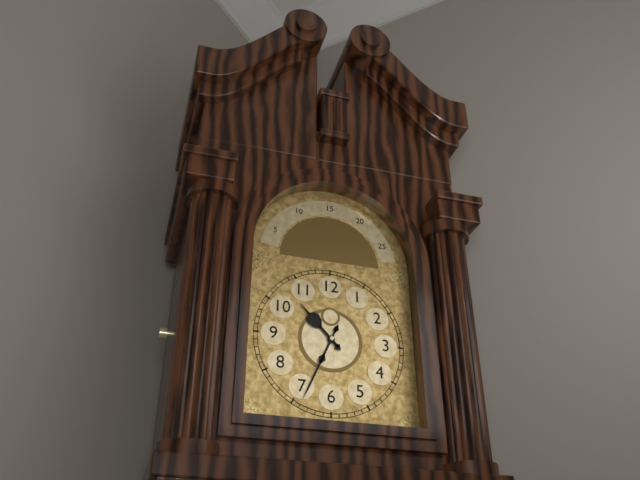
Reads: 10 h 34 min
